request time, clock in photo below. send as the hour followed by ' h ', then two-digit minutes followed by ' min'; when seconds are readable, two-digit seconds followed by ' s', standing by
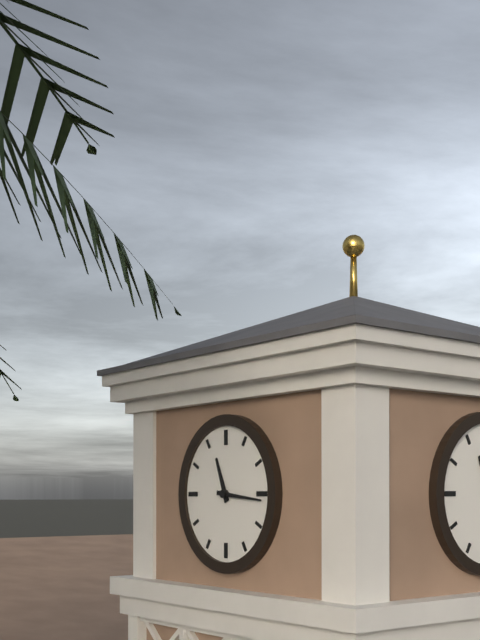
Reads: 11 h 16 min
